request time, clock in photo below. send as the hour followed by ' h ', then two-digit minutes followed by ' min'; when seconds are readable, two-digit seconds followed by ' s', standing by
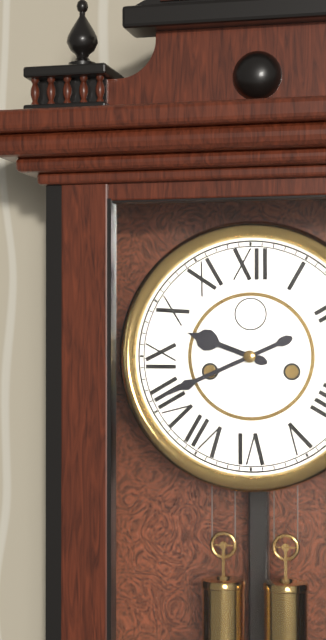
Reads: 9 h 41 min
